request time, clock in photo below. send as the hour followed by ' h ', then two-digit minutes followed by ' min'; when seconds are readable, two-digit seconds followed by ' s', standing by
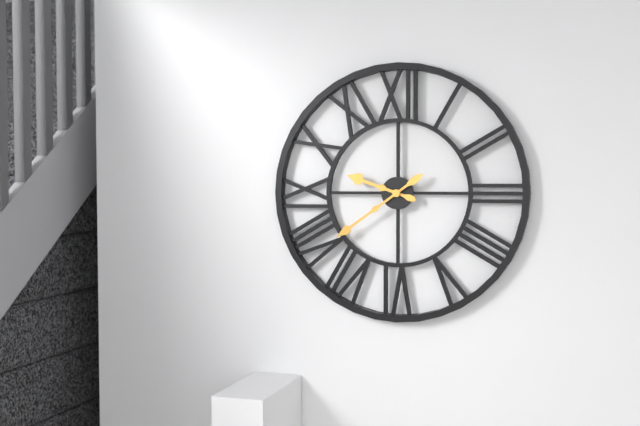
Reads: 9 h 39 min
